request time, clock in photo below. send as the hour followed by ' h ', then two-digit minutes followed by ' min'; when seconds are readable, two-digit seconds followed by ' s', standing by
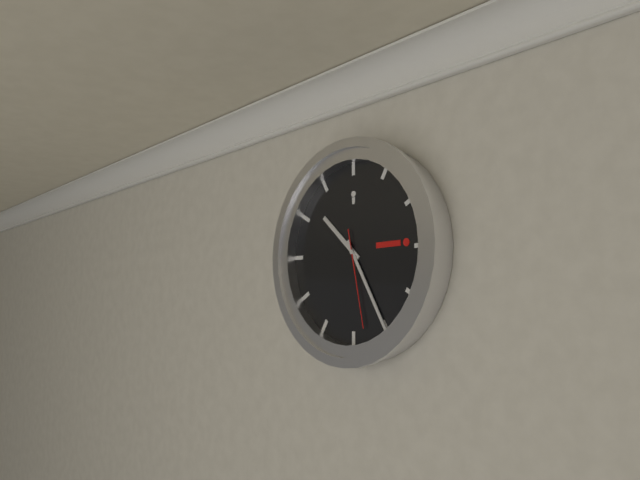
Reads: 10 h 25 min 28 s
